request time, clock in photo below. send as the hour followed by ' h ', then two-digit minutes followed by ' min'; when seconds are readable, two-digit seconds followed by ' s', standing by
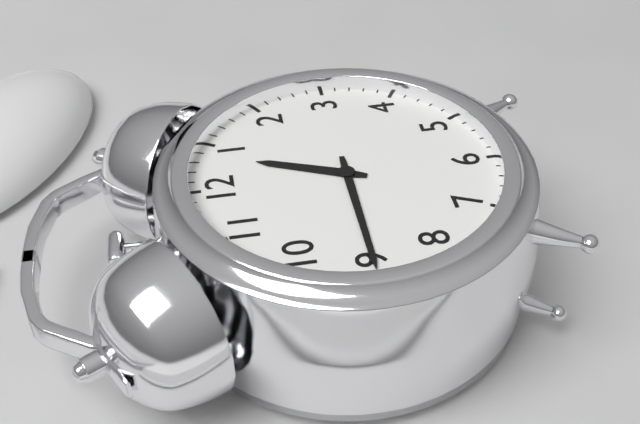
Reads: 12 h 45 min
